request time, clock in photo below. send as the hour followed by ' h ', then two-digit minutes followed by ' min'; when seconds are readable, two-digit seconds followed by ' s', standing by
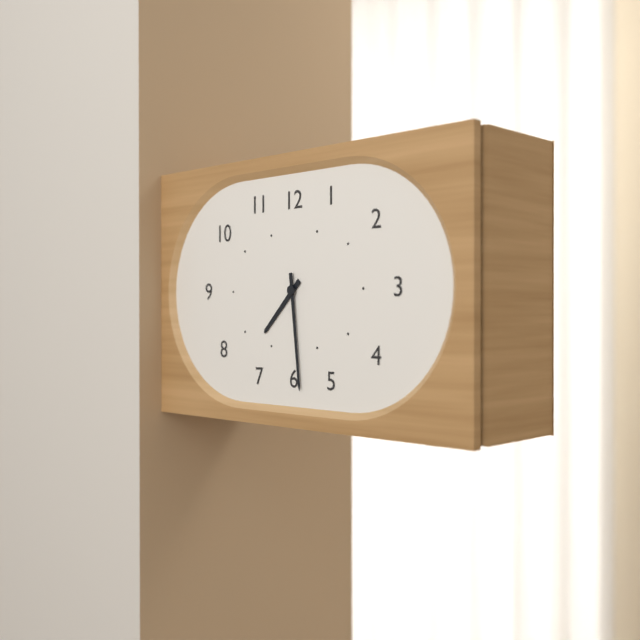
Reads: 7 h 29 min
